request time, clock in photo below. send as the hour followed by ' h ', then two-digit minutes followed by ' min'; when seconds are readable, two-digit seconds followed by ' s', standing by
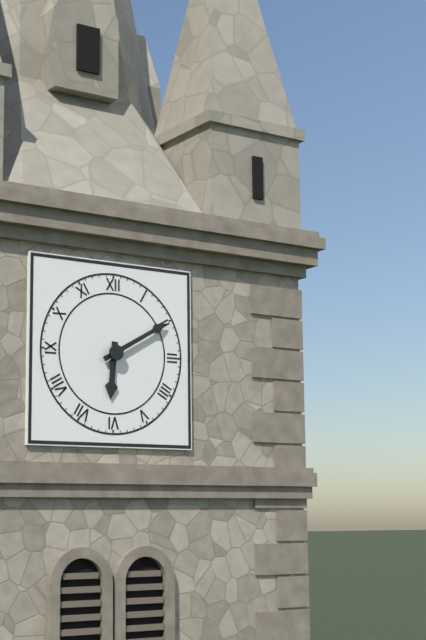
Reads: 6 h 10 min
